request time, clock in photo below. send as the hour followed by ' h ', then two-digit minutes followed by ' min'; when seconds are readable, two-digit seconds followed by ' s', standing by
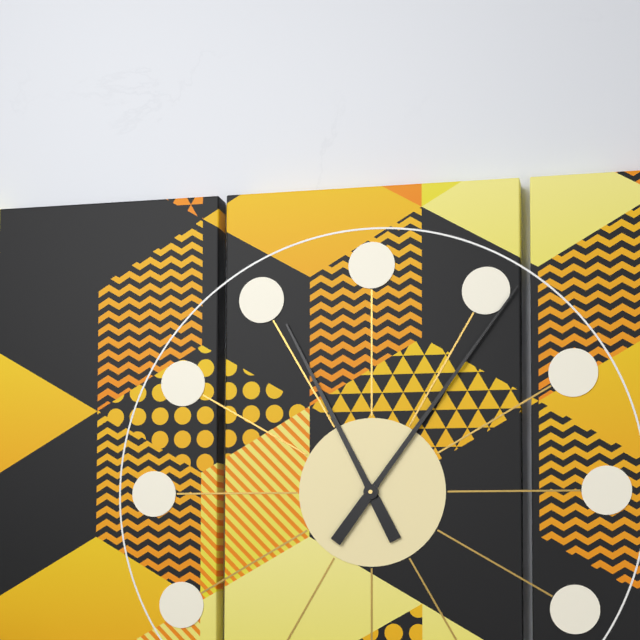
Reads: 11 h 06 min
